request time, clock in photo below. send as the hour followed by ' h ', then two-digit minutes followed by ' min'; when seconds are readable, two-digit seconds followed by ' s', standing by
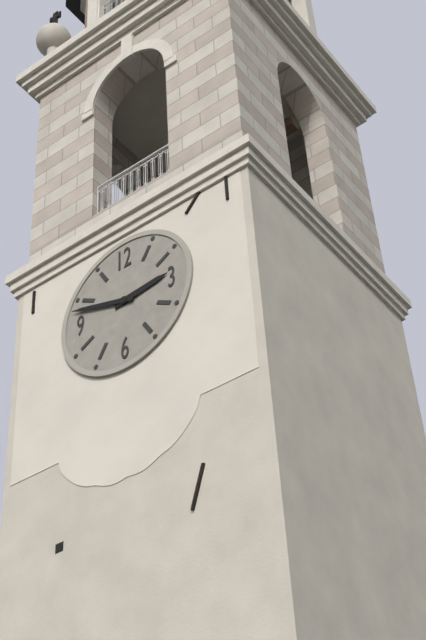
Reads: 2 h 48 min
